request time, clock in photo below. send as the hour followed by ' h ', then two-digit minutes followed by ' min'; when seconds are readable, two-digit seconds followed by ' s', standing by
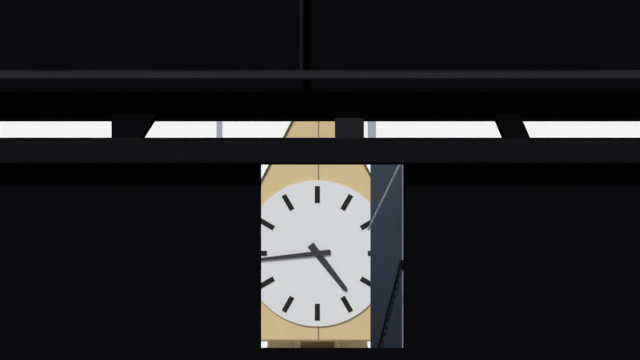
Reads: 4 h 44 min
